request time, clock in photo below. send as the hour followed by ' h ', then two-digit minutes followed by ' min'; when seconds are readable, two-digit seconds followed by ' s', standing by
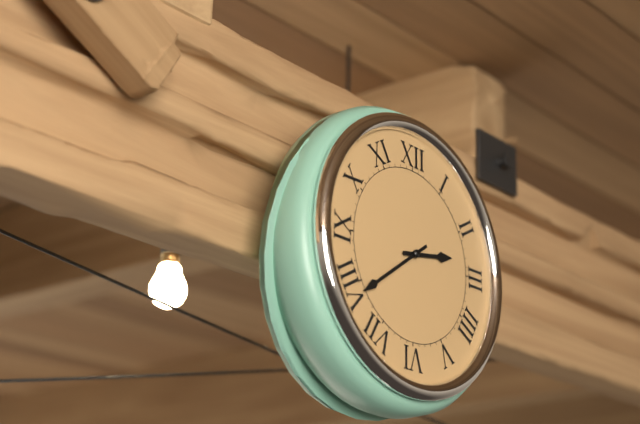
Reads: 2 h 39 min
